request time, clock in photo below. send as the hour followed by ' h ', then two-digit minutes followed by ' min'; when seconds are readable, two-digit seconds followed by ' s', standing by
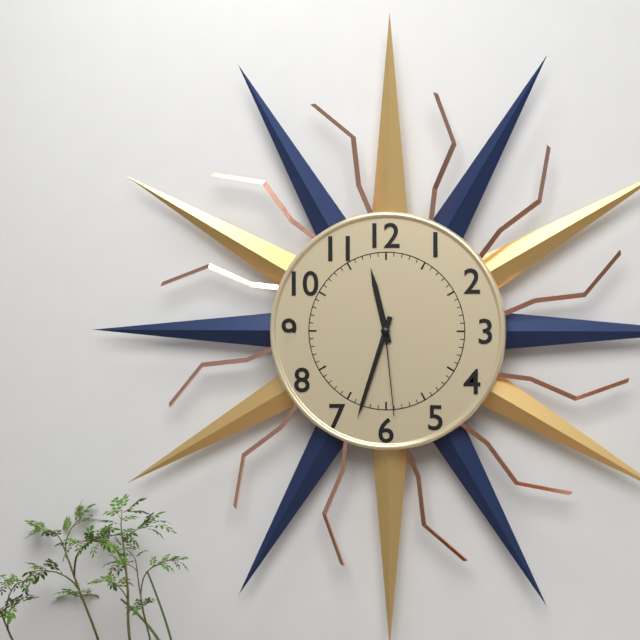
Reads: 11 h 33 min 29 s
